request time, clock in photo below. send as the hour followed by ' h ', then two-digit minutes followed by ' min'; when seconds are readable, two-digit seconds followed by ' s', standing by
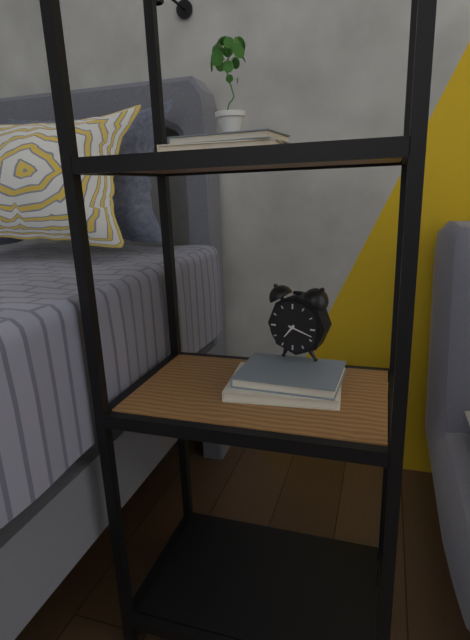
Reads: 7 h 18 min
